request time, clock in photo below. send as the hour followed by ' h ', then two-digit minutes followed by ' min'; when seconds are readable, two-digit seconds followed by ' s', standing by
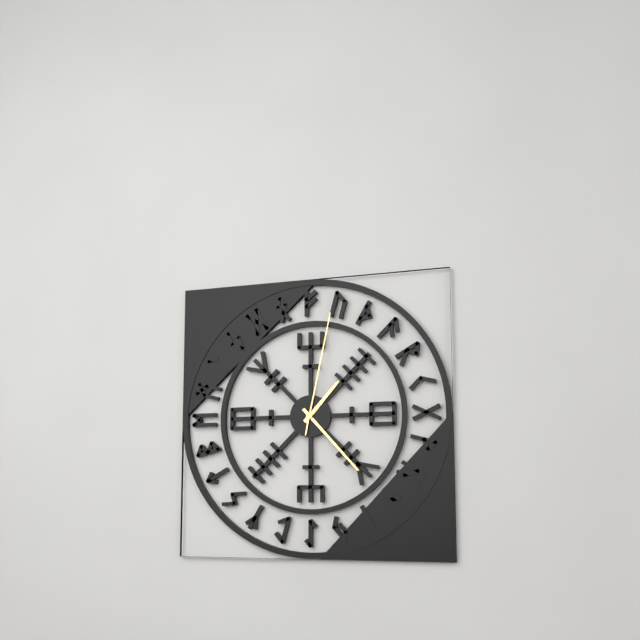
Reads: 1 h 23 min 02 s
